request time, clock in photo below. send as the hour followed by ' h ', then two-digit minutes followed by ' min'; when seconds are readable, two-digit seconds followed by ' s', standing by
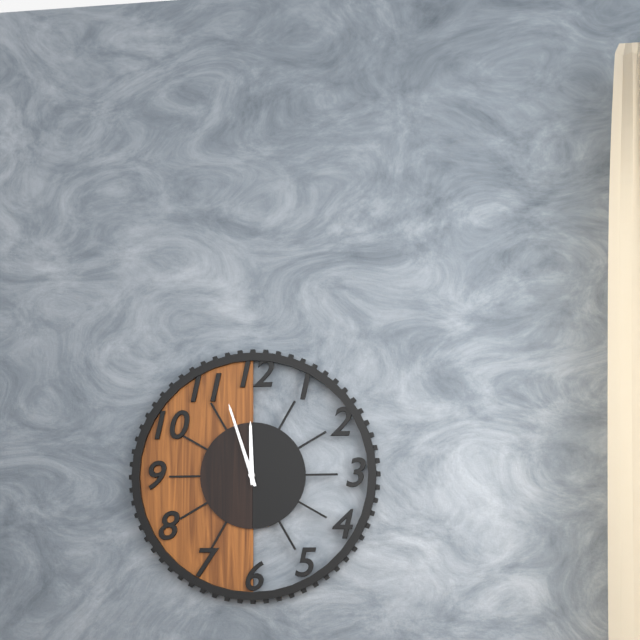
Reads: 11 h 57 min
